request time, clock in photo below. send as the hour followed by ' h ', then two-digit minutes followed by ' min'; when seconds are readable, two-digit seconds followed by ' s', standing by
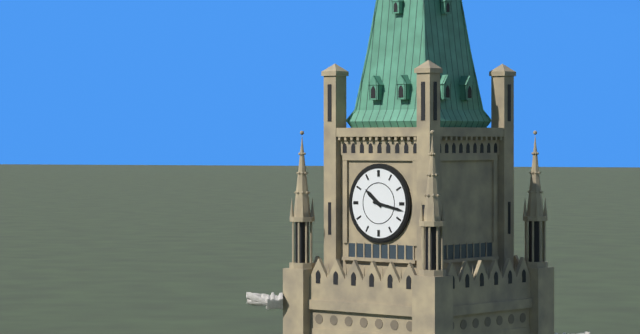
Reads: 10 h 17 min
